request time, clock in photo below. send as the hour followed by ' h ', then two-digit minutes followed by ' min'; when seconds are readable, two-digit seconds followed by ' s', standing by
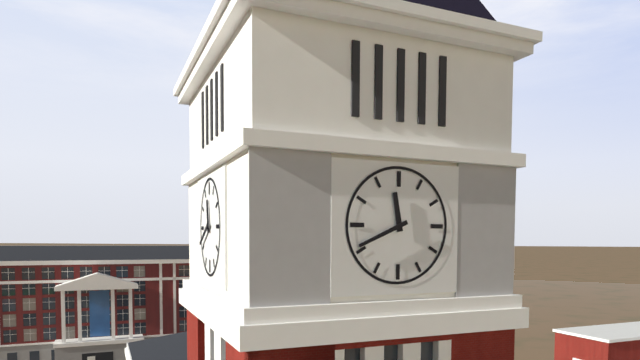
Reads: 11 h 41 min
